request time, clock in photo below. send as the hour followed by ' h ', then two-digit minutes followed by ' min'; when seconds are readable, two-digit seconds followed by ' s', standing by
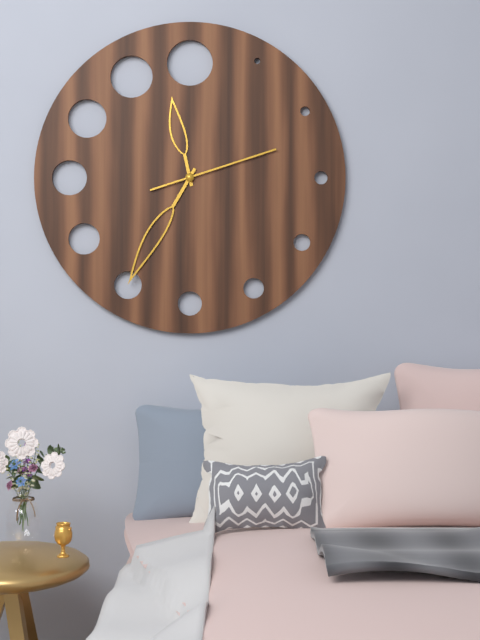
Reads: 11 h 35 min 12 s
